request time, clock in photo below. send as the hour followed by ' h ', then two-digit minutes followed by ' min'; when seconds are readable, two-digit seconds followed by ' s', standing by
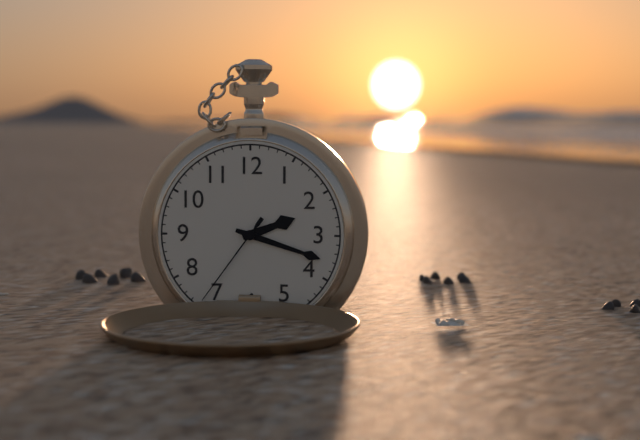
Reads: 2 h 18 min 36 s
